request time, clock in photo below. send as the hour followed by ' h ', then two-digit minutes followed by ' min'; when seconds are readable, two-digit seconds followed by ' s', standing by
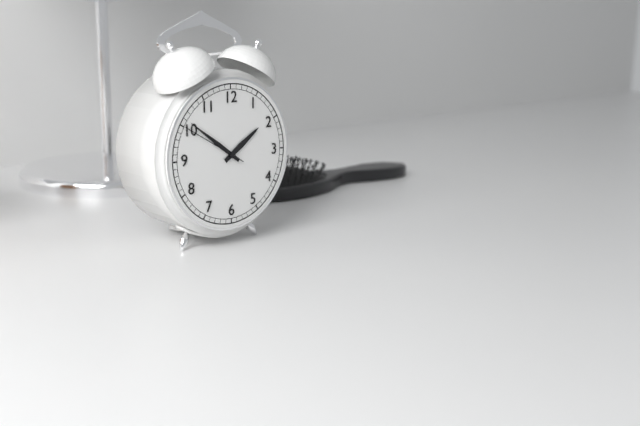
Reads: 1 h 51 min 50 s
